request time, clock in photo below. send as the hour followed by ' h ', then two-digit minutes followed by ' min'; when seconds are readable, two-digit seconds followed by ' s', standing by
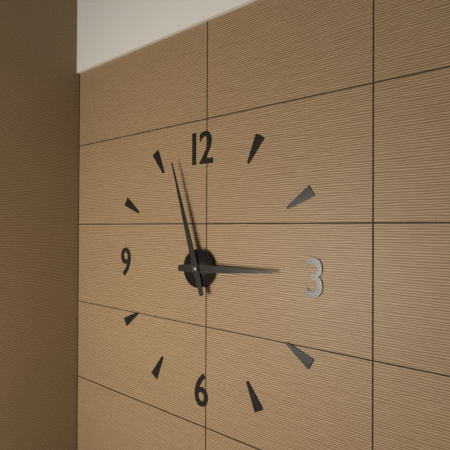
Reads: 2 h 57 min
